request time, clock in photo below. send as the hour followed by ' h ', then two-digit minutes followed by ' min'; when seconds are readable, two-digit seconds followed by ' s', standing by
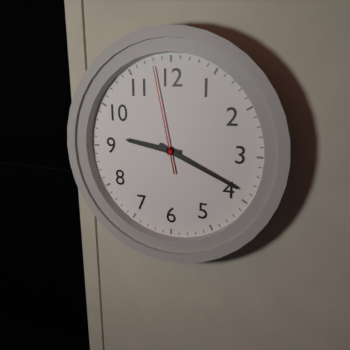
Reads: 9 h 19 min 58 s
